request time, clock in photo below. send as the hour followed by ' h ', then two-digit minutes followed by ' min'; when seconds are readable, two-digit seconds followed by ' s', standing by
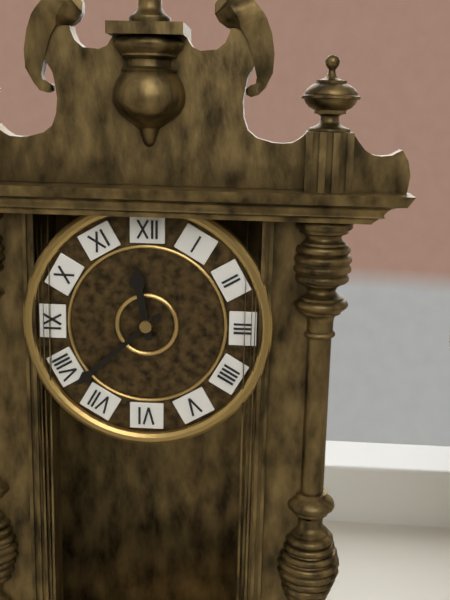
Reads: 11 h 38 min
